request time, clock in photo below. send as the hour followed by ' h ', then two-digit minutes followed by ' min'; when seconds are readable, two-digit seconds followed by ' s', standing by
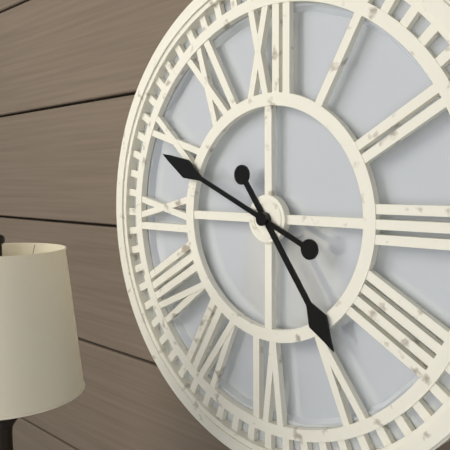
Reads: 4 h 49 min
